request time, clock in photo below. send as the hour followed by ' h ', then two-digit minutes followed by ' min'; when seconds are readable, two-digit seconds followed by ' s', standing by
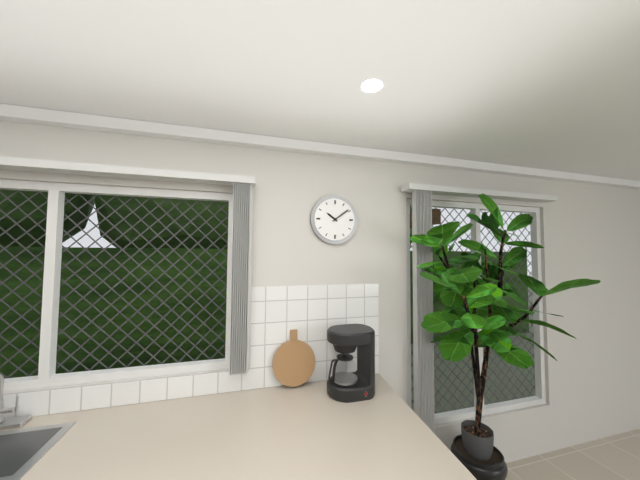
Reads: 10 h 09 min
